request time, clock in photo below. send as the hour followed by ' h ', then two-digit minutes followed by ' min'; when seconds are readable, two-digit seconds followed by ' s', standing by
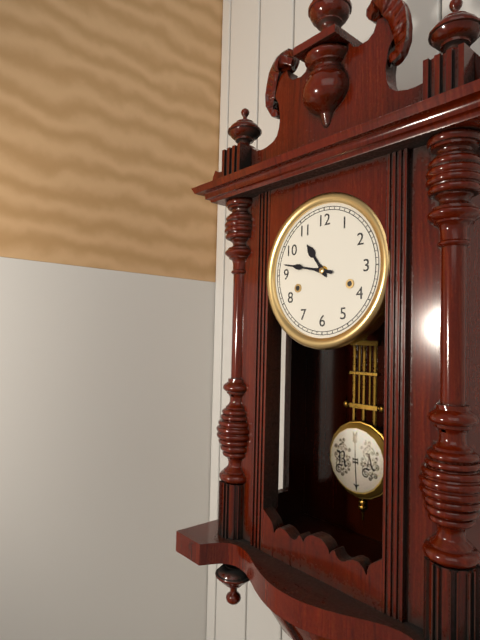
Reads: 10 h 47 min
